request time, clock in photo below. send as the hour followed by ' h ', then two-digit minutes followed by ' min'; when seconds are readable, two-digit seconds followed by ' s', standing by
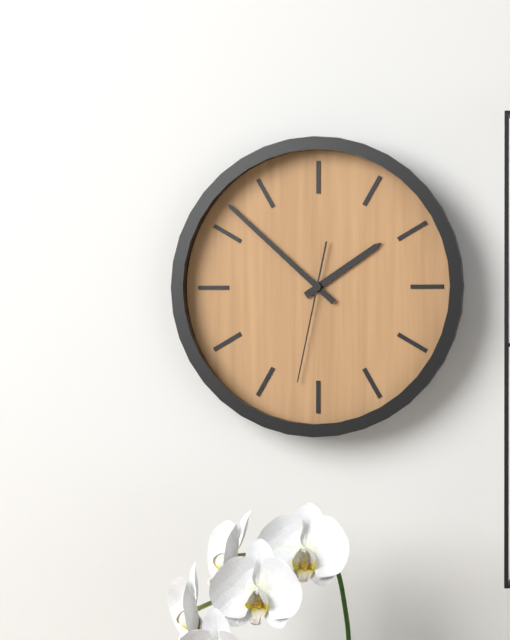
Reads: 1 h 52 min 32 s
